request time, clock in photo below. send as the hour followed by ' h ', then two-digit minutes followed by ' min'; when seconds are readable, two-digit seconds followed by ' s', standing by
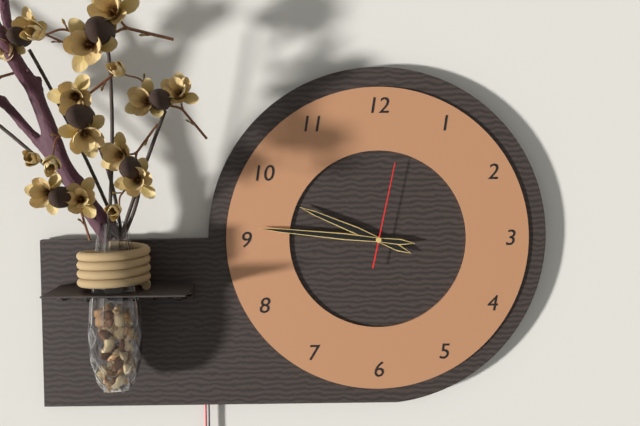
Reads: 9 h 46 min 02 s
